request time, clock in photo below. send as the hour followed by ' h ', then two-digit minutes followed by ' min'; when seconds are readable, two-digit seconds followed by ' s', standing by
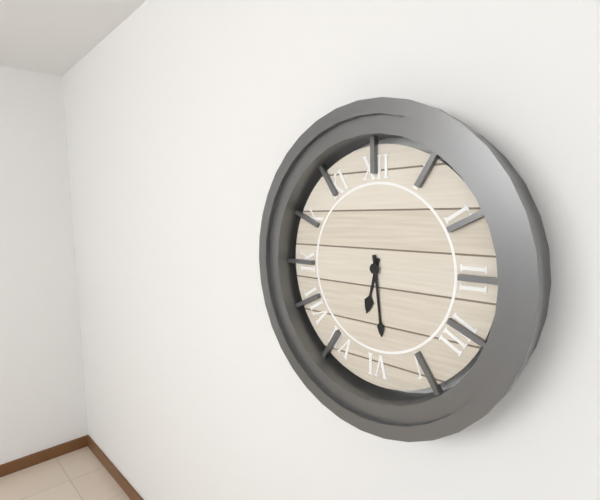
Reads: 6 h 29 min
